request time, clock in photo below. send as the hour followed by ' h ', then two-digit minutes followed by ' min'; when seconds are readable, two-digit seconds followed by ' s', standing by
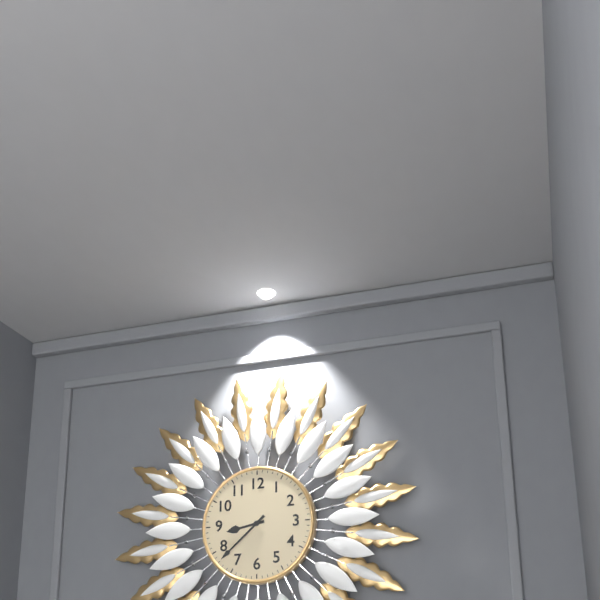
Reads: 8 h 38 min
